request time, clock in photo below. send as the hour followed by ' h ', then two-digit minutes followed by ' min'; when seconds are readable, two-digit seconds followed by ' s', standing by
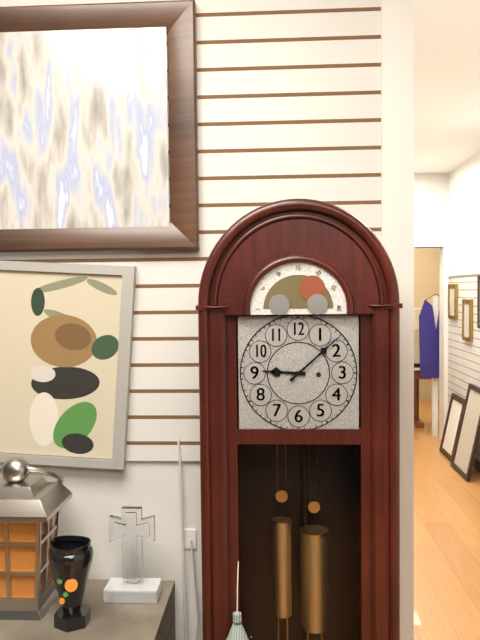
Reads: 9 h 08 min
